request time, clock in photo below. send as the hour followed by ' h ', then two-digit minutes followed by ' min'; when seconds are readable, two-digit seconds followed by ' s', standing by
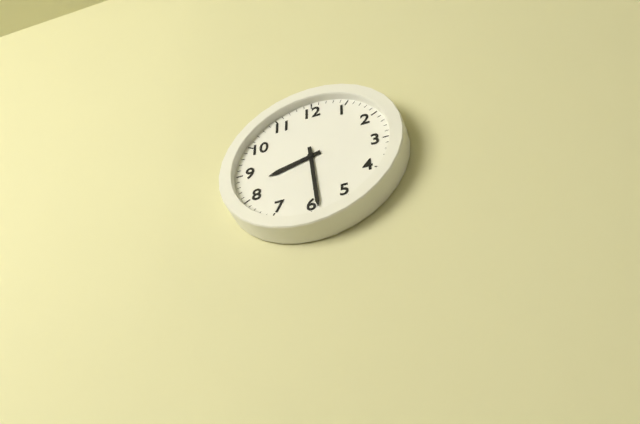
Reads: 8 h 29 min
